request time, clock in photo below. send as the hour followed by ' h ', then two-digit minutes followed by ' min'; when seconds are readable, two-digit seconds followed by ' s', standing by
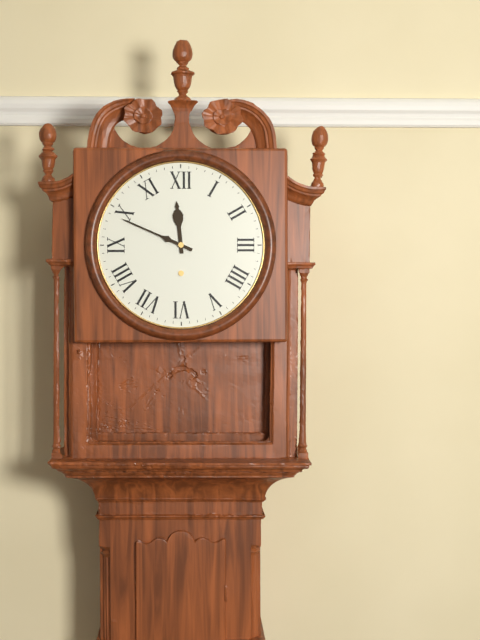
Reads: 11 h 49 min
